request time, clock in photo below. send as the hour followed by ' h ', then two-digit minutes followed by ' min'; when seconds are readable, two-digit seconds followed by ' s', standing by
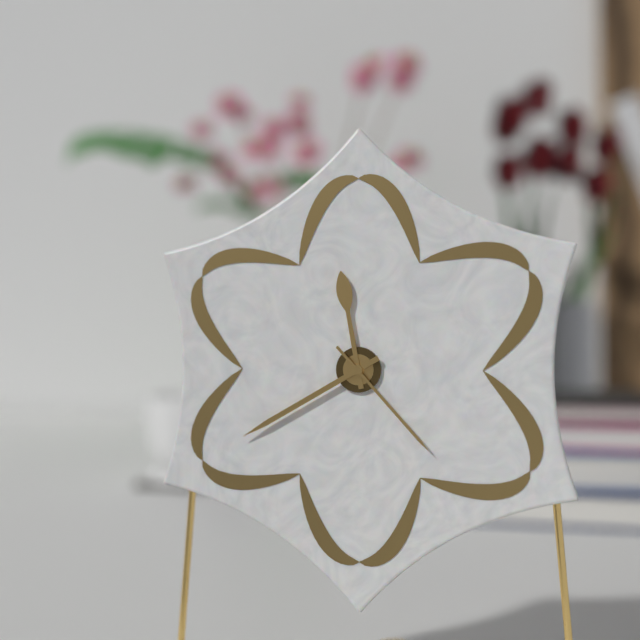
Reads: 11 h 40 min 23 s
